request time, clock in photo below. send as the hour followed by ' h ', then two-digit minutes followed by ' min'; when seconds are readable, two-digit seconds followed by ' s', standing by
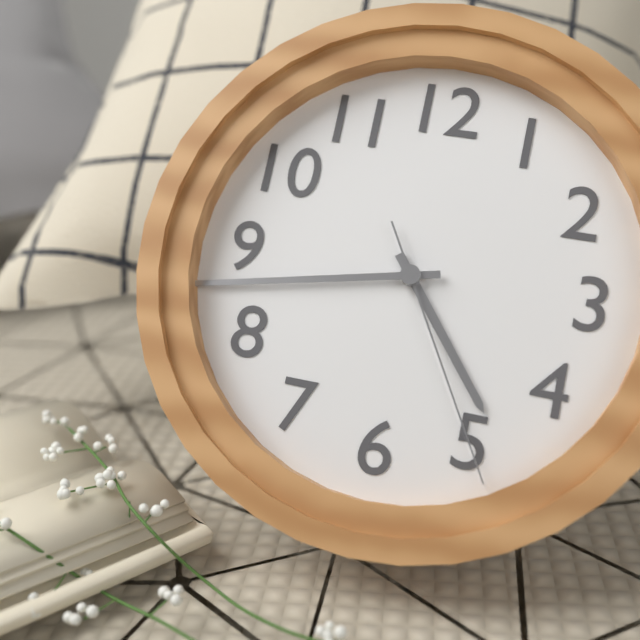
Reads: 4 h 43 min 25 s
